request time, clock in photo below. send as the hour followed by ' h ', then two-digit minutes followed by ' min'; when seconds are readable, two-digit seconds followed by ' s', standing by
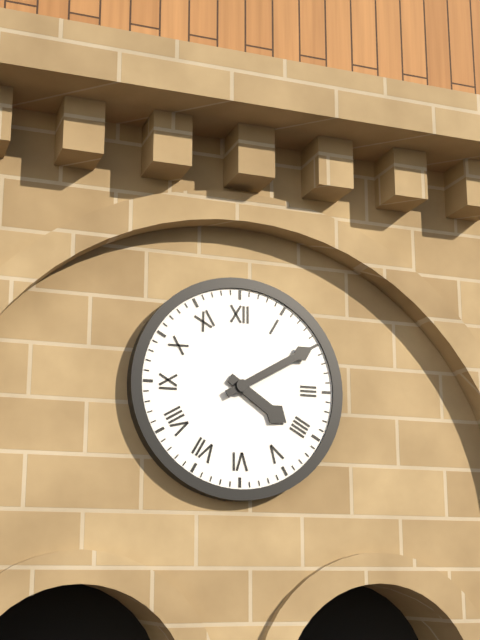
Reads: 4 h 10 min
